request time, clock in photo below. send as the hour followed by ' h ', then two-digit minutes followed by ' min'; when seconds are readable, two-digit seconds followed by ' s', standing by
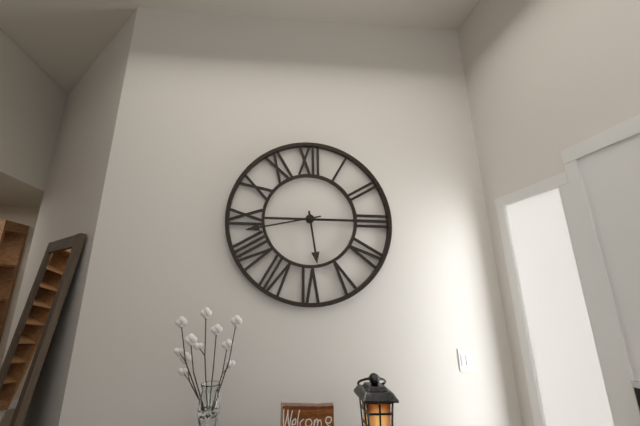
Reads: 5 h 43 min
